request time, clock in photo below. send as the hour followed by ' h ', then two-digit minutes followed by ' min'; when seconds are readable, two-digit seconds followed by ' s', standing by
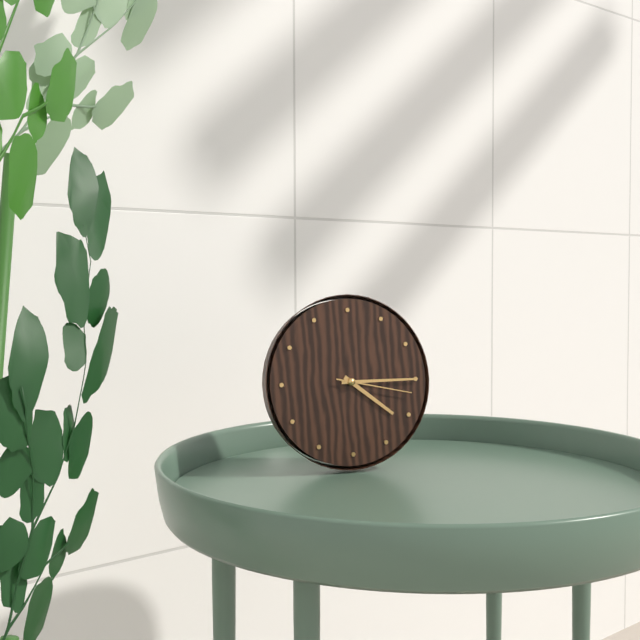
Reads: 4 h 15 min 17 s
